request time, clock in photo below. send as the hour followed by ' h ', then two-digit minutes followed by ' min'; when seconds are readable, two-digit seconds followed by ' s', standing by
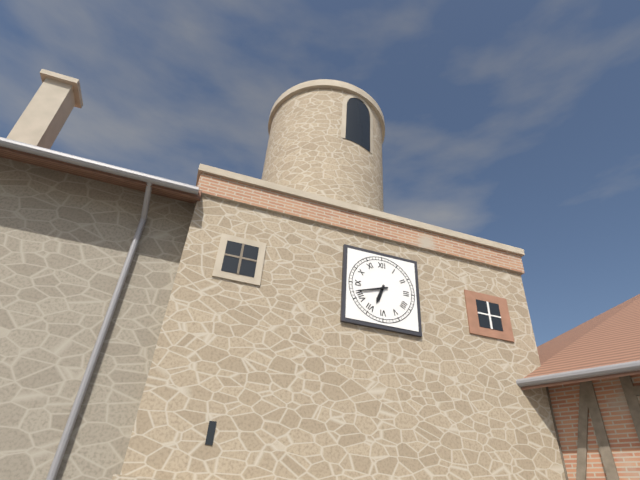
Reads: 6 h 42 min
